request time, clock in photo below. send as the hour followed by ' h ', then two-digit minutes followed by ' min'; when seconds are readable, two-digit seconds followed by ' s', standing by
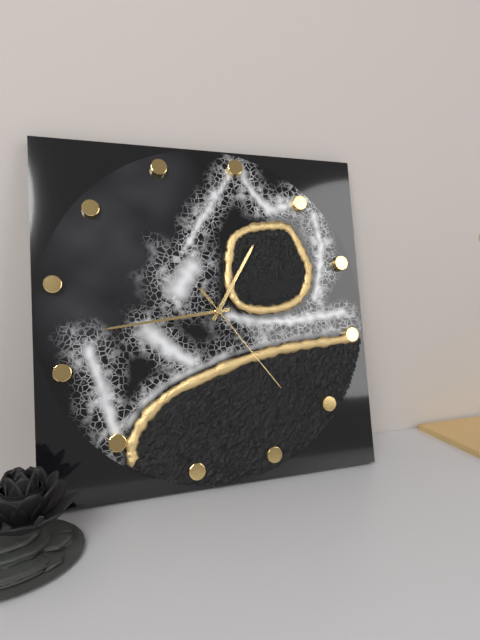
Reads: 12 h 42 min 22 s
